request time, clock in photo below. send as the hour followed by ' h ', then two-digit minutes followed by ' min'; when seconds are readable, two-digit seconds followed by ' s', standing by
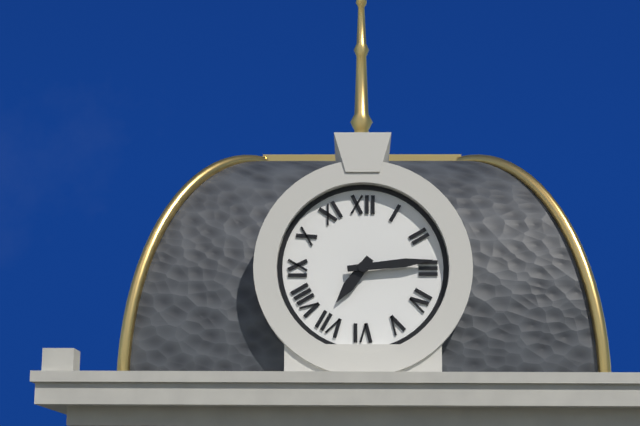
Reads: 7 h 14 min
